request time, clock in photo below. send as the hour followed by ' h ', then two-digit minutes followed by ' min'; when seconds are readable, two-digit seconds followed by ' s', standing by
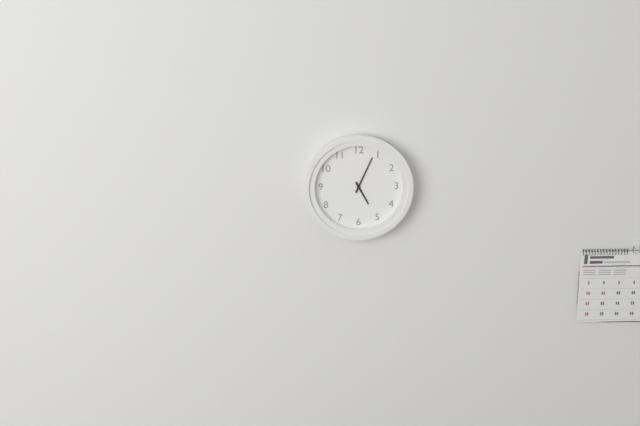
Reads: 5 h 04 min
